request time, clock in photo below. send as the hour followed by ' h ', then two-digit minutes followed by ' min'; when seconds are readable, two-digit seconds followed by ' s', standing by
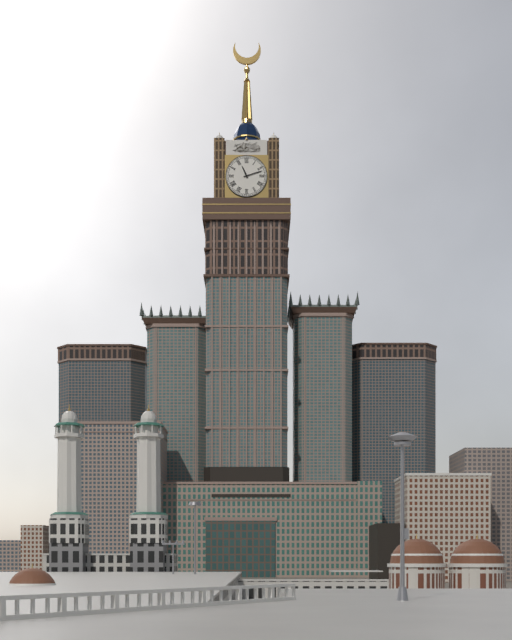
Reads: 11 h 12 min
